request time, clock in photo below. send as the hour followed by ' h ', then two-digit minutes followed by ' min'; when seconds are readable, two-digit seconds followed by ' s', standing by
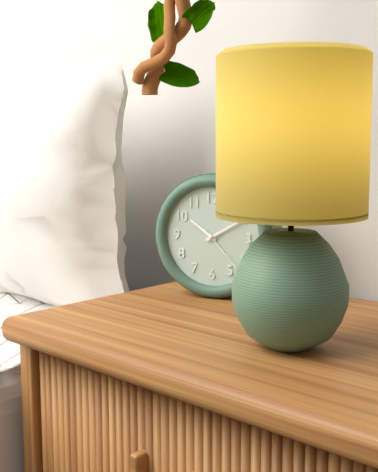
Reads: 10 h 10 min 23 s
